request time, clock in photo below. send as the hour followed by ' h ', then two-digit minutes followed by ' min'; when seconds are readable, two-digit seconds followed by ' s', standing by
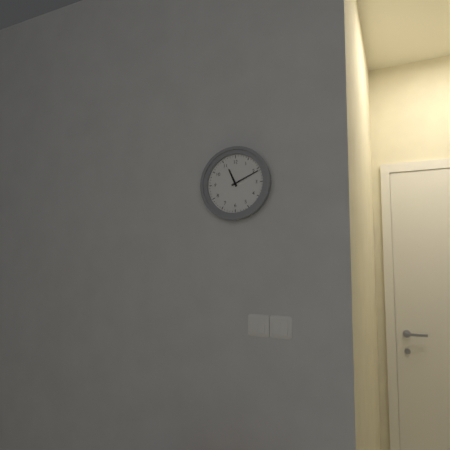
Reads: 11 h 11 min
